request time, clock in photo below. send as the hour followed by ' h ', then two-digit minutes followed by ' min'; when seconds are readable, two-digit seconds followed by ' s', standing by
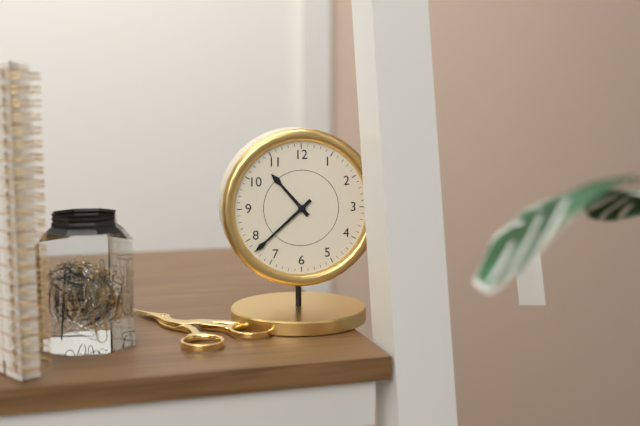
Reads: 10 h 38 min
